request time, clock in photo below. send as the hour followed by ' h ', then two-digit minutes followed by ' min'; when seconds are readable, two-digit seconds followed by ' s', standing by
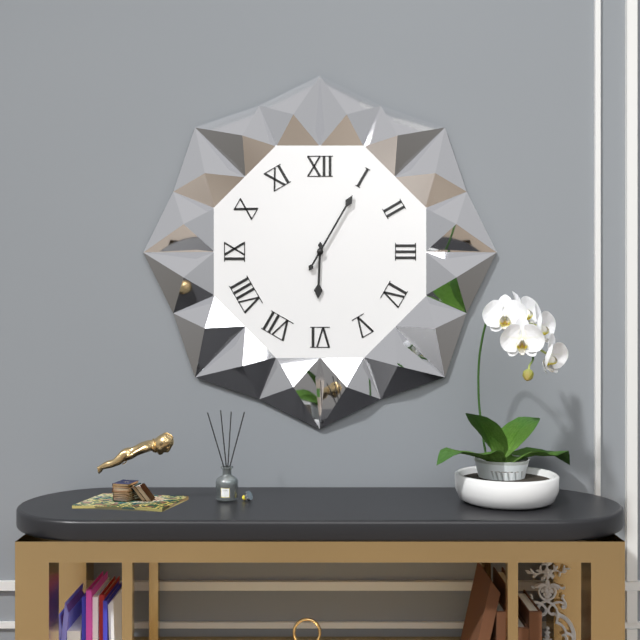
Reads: 6 h 05 min
